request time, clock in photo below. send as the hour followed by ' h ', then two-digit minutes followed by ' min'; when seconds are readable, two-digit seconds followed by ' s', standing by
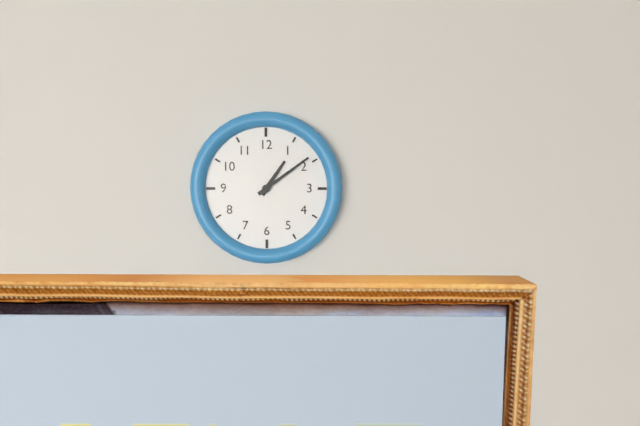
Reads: 1 h 09 min
